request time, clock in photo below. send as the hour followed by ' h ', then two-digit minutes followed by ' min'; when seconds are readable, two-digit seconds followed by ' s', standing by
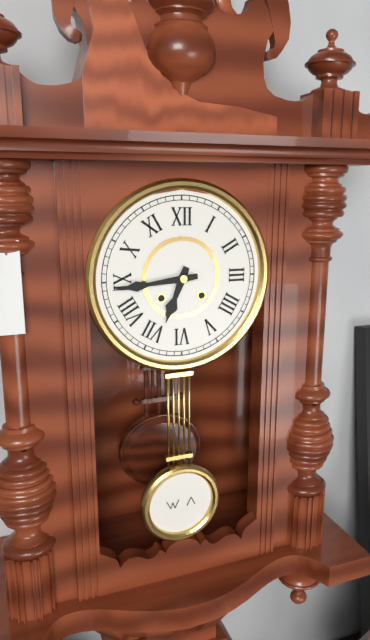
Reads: 6 h 44 min
